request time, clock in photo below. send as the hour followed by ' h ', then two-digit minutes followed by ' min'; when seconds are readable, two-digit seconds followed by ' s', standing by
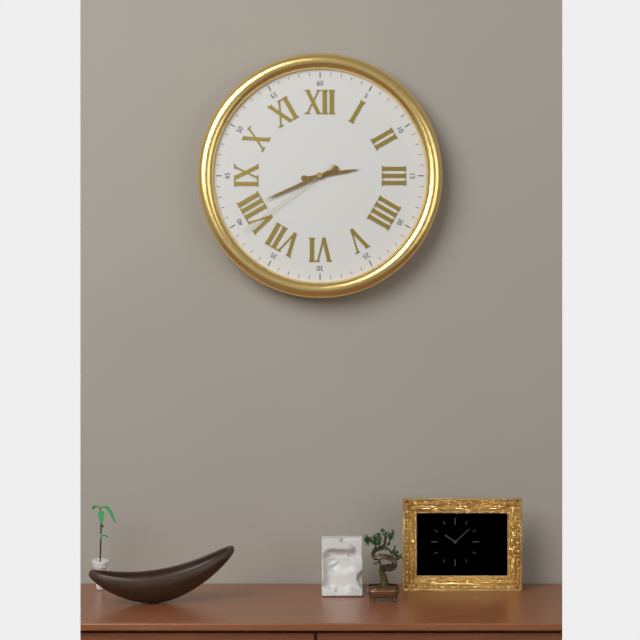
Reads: 2 h 41 min 39 s
